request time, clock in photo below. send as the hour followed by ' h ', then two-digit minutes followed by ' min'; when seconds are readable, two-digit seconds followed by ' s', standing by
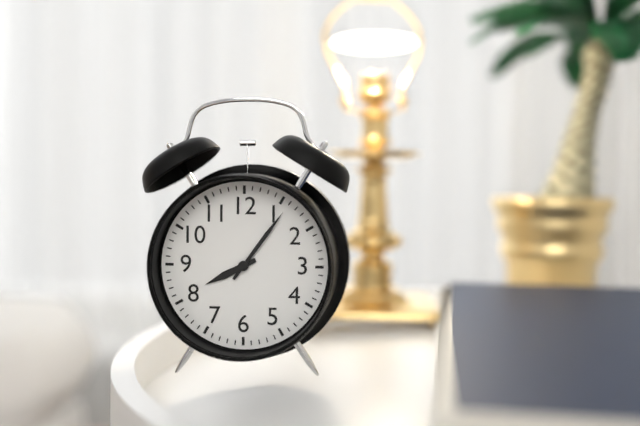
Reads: 8 h 06 min
